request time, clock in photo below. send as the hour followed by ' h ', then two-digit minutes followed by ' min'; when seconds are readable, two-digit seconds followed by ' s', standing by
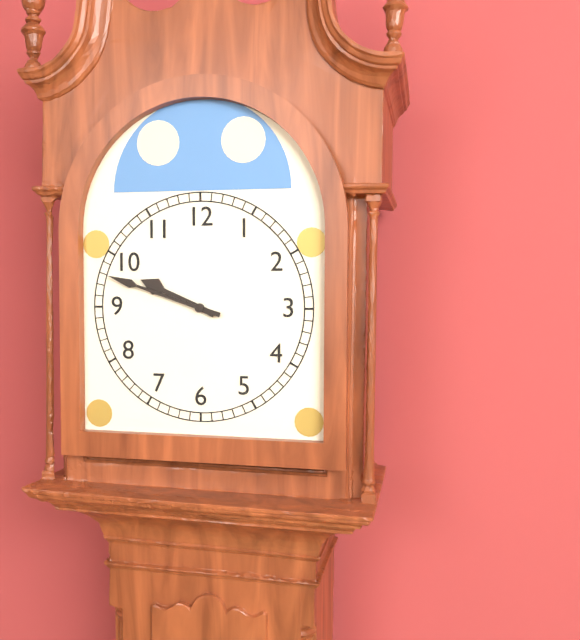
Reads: 9 h 48 min
